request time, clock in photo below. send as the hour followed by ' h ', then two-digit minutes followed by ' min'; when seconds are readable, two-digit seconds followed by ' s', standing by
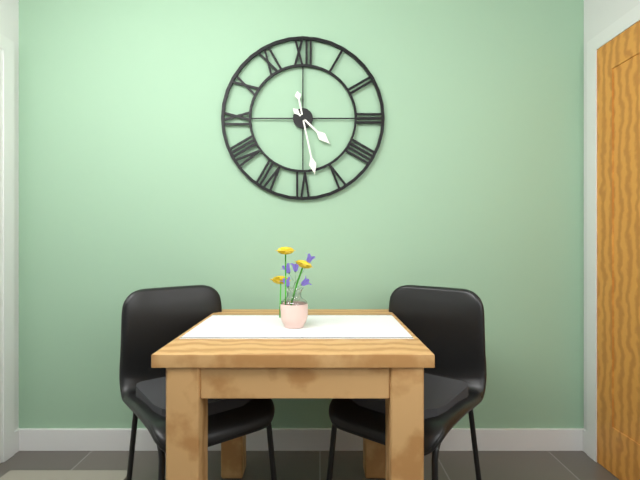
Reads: 4 h 28 min
